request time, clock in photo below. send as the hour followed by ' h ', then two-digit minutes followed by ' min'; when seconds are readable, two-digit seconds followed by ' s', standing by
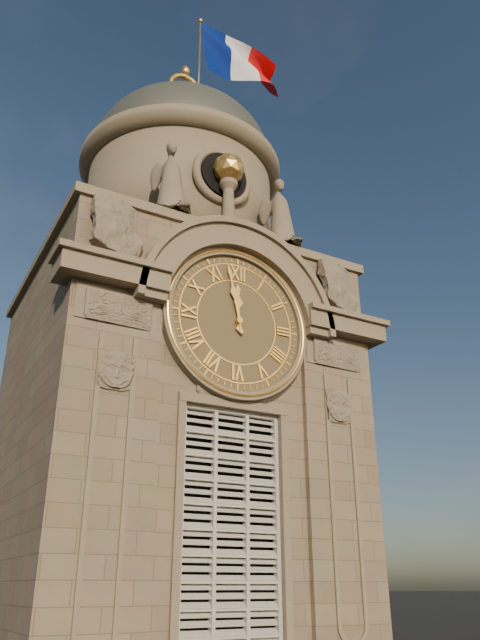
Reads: 11 h 58 min
